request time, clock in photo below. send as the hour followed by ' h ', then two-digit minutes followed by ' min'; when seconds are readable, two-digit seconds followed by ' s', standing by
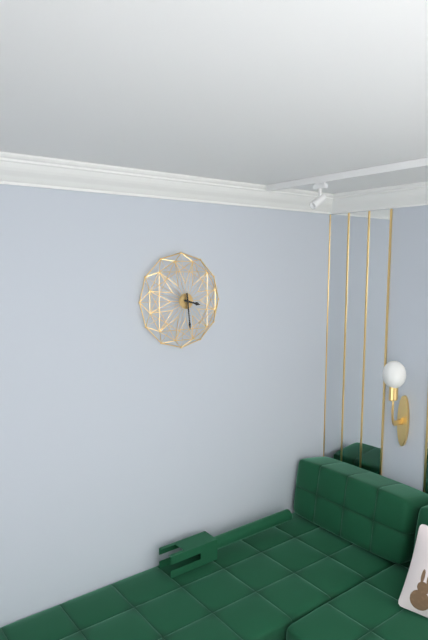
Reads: 3 h 29 min
